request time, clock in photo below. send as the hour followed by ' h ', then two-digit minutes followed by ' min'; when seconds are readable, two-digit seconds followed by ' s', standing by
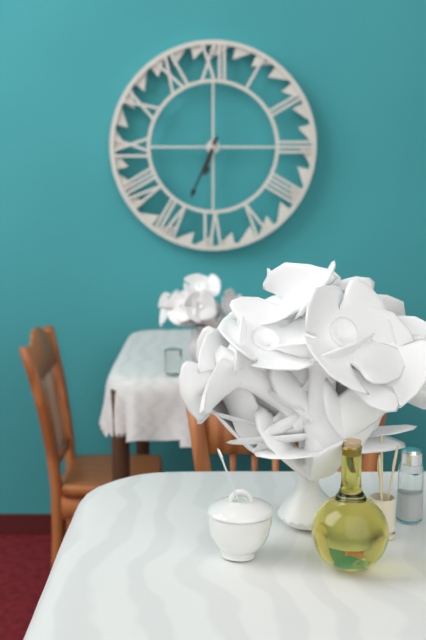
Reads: 6 h 34 min
